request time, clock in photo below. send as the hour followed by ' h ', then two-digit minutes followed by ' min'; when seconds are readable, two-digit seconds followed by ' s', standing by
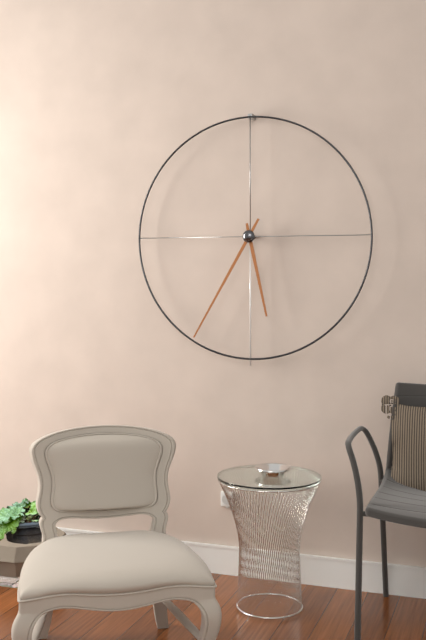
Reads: 5 h 35 min
